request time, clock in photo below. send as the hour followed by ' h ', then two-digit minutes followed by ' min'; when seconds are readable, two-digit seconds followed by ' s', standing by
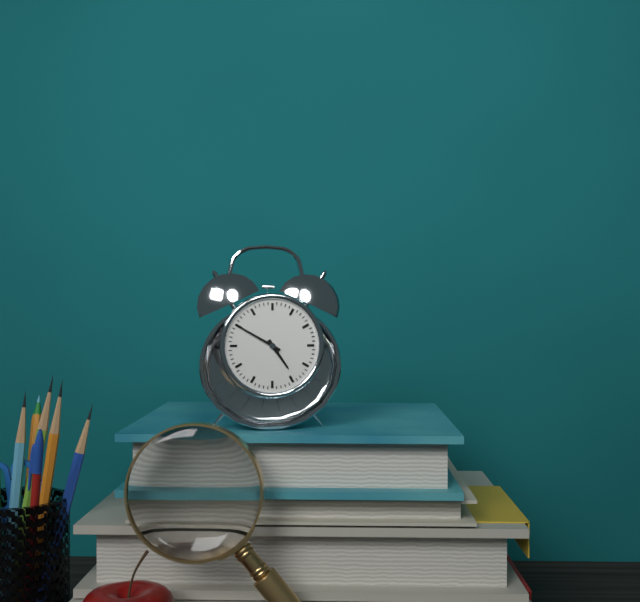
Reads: 4 h 50 min
